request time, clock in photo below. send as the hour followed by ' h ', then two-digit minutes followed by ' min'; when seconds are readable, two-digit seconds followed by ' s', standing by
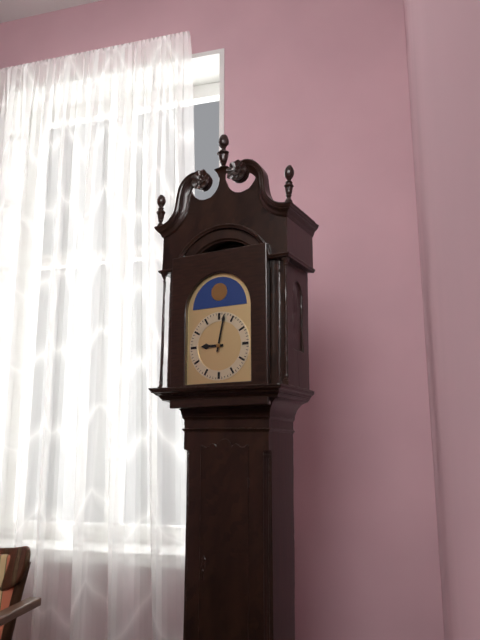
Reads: 9 h 02 min
